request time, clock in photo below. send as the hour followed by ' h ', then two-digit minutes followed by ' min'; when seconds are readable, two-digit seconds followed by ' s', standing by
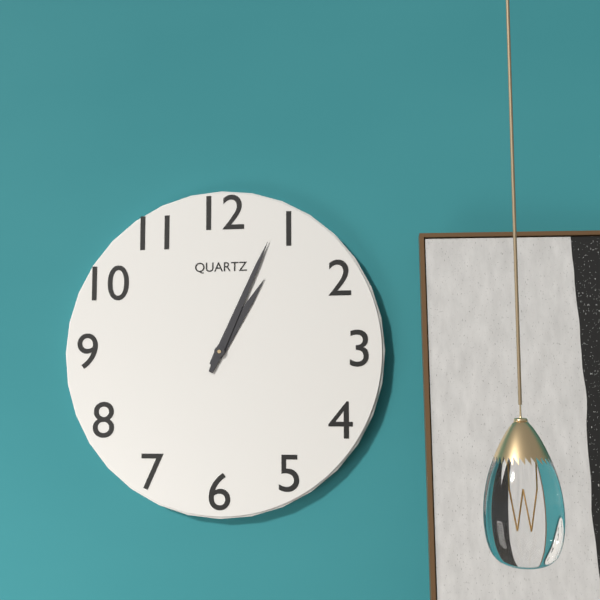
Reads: 1 h 04 min
